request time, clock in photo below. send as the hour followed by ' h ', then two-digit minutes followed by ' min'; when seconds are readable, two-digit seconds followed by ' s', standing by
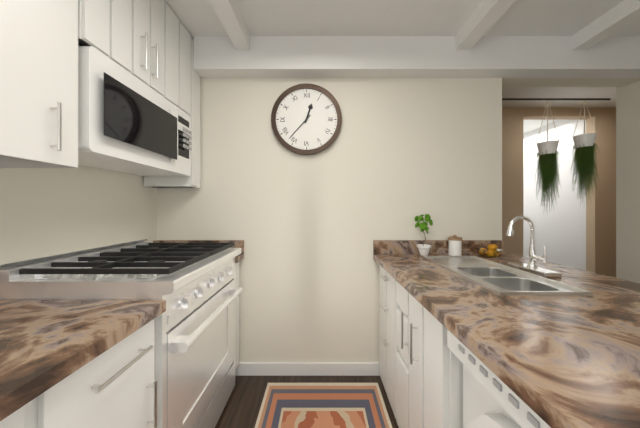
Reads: 12 h 37 min
